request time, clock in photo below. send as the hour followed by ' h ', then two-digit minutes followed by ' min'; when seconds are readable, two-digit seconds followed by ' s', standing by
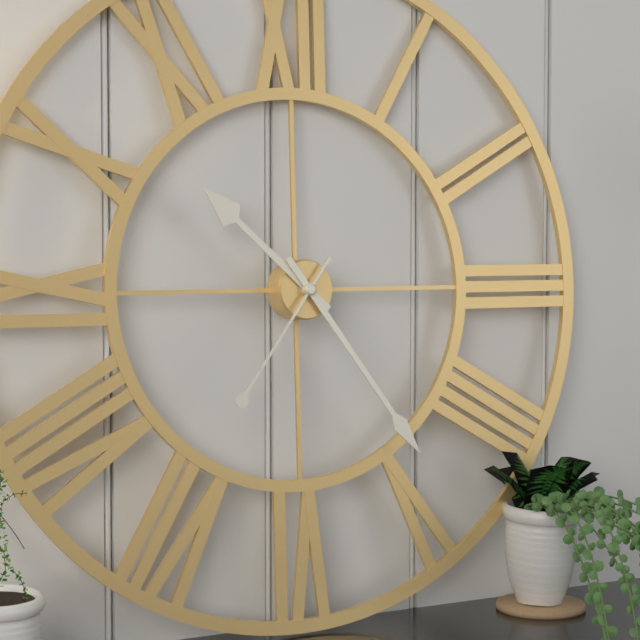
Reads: 10 h 24 min 36 s
